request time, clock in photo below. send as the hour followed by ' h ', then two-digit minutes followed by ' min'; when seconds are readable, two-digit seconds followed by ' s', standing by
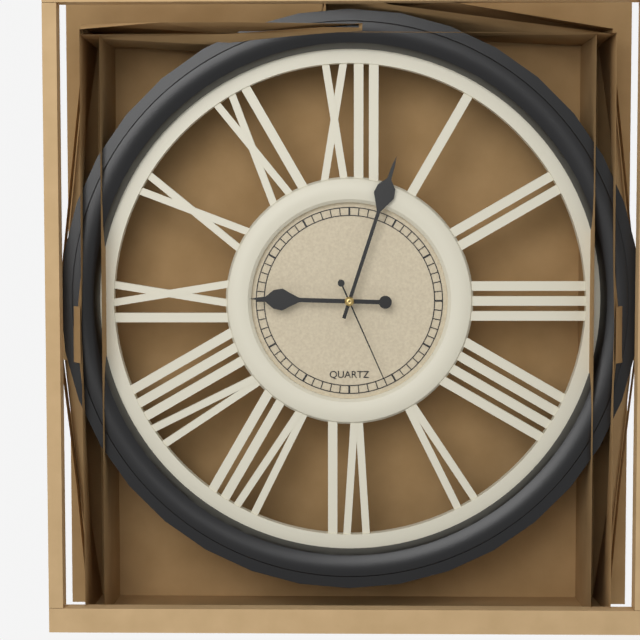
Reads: 9 h 03 min 26 s
